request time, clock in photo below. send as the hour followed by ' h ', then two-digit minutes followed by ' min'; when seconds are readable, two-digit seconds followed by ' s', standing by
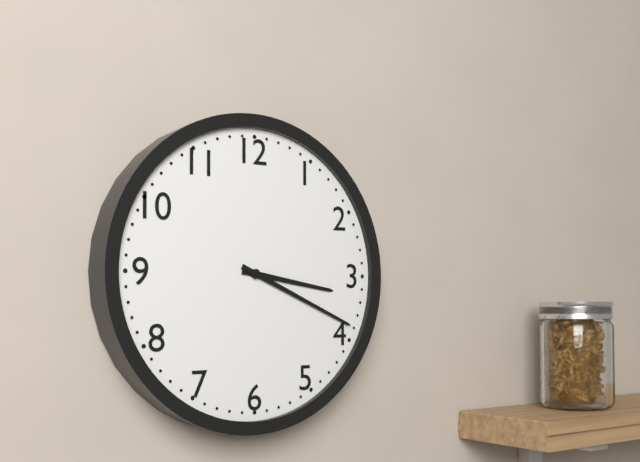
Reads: 3 h 19 min
